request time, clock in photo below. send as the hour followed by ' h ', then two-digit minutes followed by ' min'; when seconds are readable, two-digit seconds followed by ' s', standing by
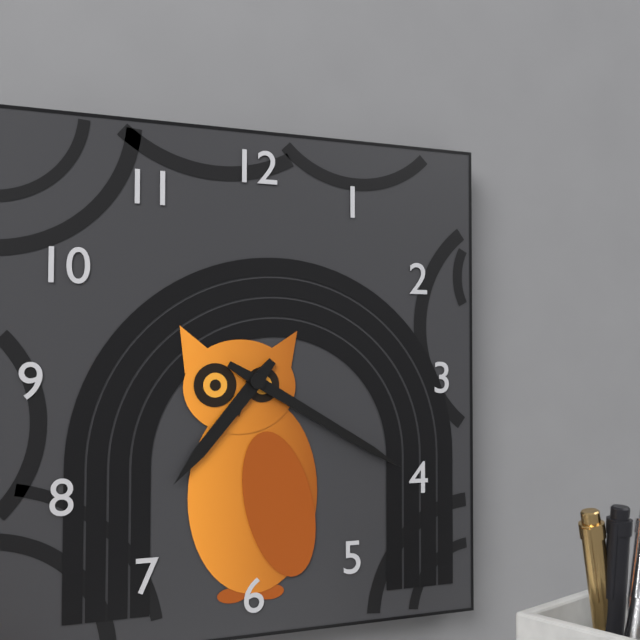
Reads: 7 h 20 min
